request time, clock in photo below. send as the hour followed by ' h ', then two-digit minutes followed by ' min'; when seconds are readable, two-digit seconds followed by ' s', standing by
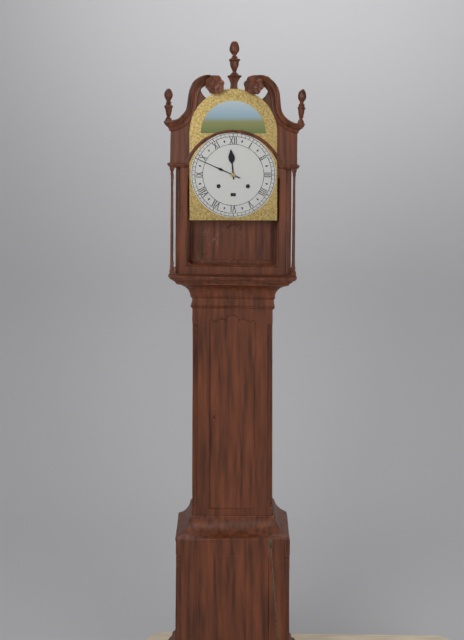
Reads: 11 h 49 min
